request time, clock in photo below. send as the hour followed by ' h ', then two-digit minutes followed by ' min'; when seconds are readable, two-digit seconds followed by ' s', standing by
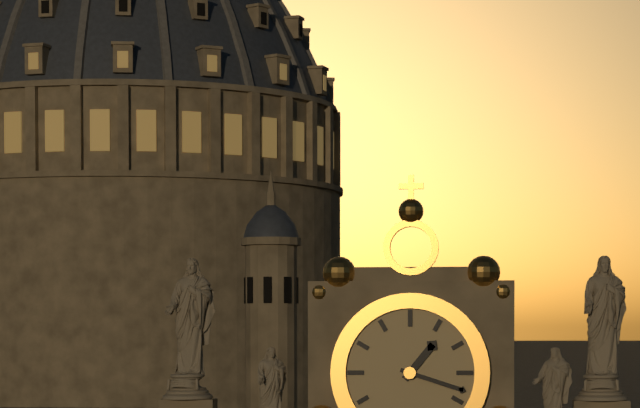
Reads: 1 h 18 min
